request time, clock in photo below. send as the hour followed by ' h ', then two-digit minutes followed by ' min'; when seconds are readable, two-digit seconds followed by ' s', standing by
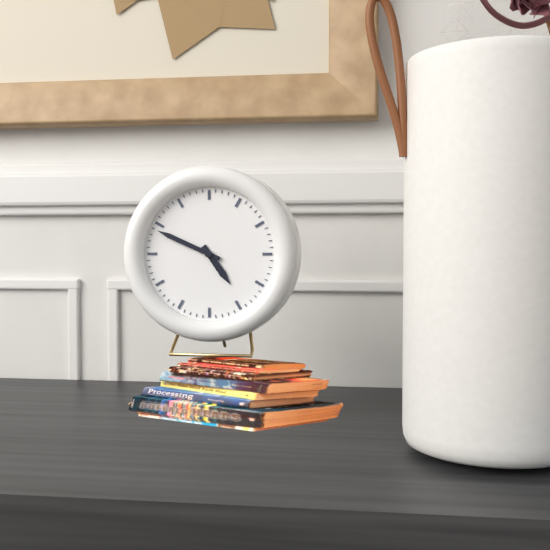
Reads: 4 h 49 min
